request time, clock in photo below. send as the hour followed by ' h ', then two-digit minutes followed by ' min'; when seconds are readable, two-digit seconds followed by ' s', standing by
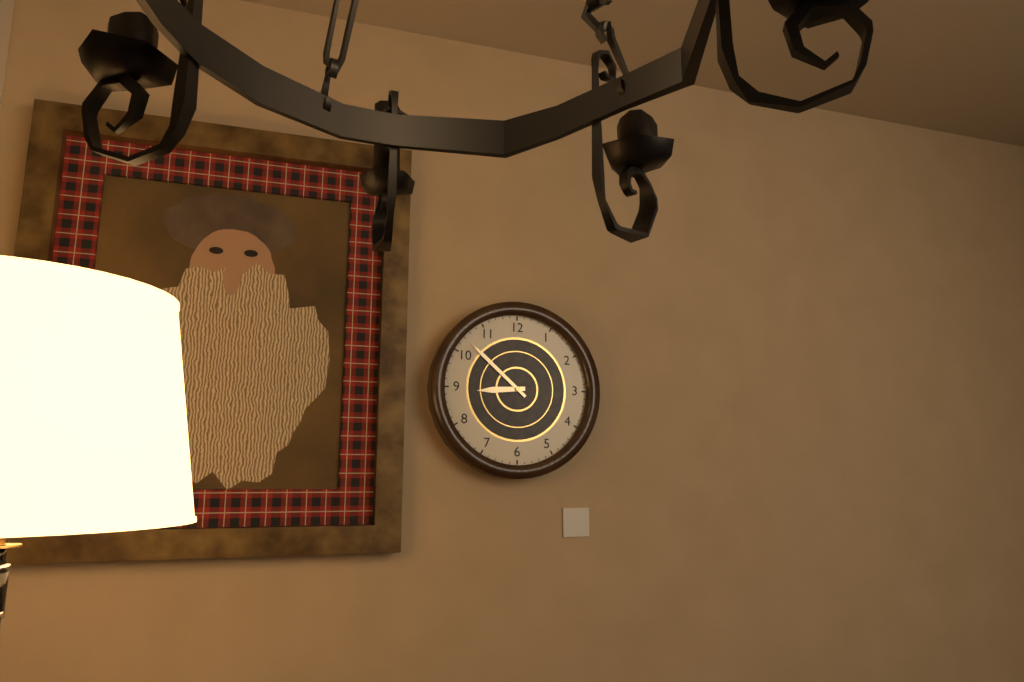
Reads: 8 h 52 min
